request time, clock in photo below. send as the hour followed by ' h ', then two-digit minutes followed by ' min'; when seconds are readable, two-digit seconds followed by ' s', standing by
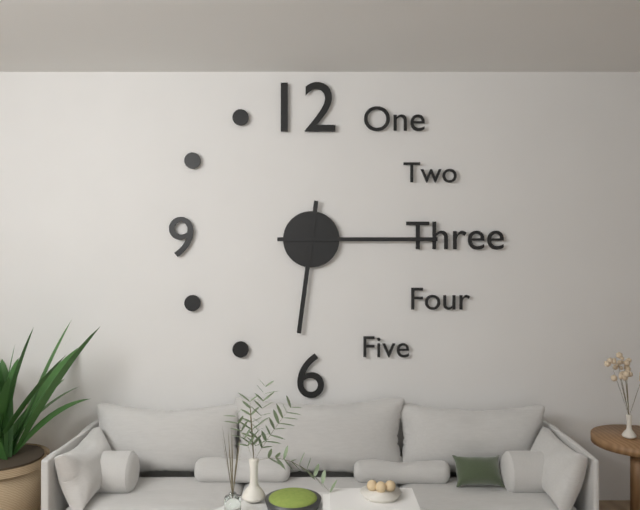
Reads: 6 h 15 min
